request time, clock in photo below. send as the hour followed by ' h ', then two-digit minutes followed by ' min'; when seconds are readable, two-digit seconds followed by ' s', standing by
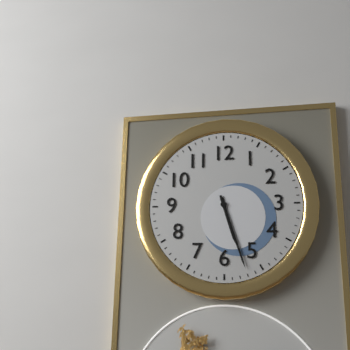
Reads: 5 h 27 min
